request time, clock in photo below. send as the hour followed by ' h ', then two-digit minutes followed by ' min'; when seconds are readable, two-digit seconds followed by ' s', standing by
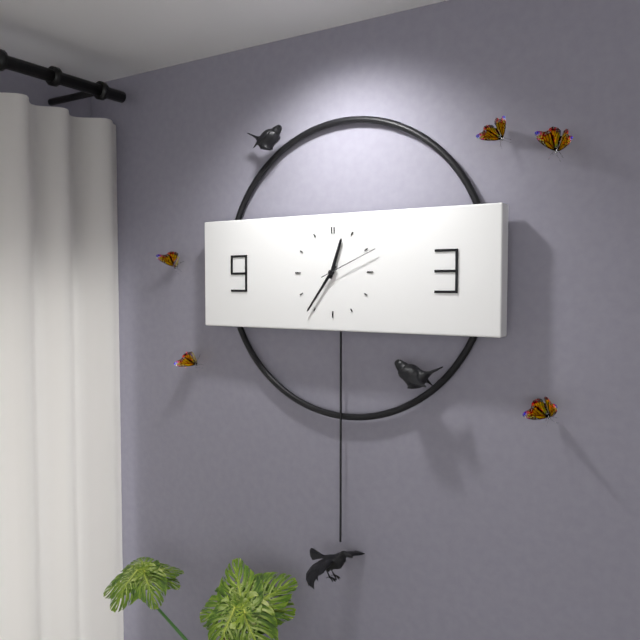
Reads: 12 h 36 min 11 s
